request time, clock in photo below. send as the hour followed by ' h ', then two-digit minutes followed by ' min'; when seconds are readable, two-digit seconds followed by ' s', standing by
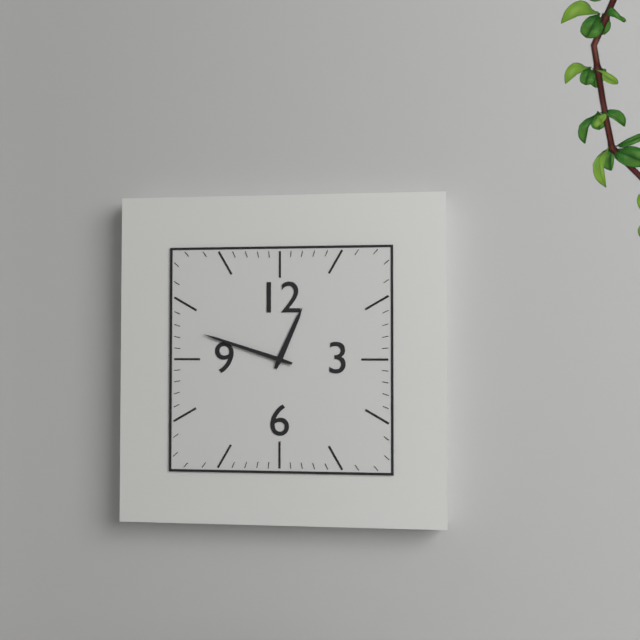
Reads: 12 h 48 min
